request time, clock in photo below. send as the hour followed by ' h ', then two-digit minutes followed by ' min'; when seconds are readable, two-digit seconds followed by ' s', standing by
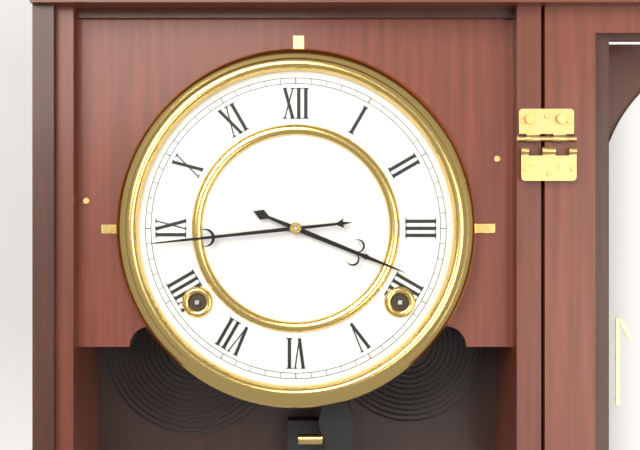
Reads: 3 h 44 min
